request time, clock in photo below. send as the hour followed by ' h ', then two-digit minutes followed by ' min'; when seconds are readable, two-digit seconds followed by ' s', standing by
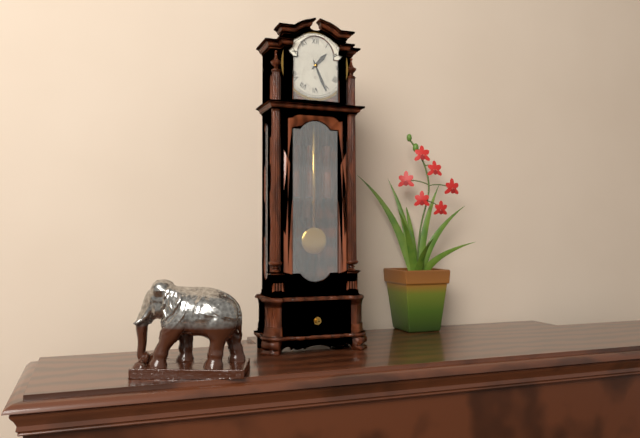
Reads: 1 h 26 min
